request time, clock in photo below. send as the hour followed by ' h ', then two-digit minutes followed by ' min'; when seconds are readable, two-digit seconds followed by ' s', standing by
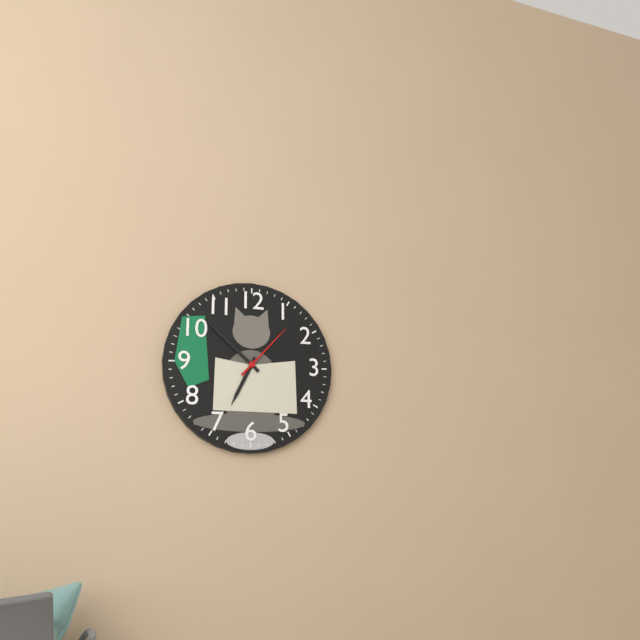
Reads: 6 h 52 min 07 s
